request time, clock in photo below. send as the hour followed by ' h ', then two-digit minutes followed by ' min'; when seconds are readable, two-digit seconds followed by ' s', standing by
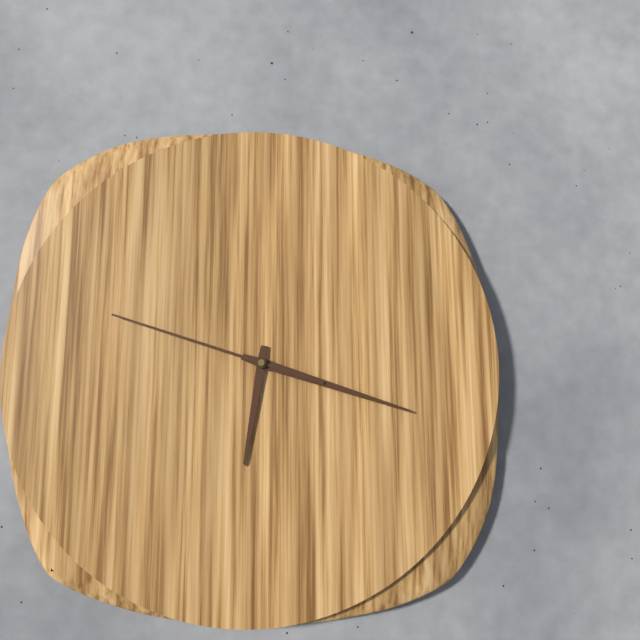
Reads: 6 h 18 min 48 s
